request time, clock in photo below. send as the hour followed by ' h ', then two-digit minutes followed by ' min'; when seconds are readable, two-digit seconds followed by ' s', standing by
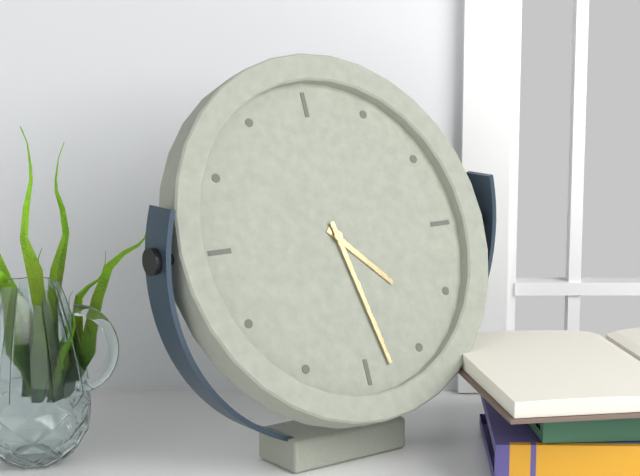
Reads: 4 h 28 min
